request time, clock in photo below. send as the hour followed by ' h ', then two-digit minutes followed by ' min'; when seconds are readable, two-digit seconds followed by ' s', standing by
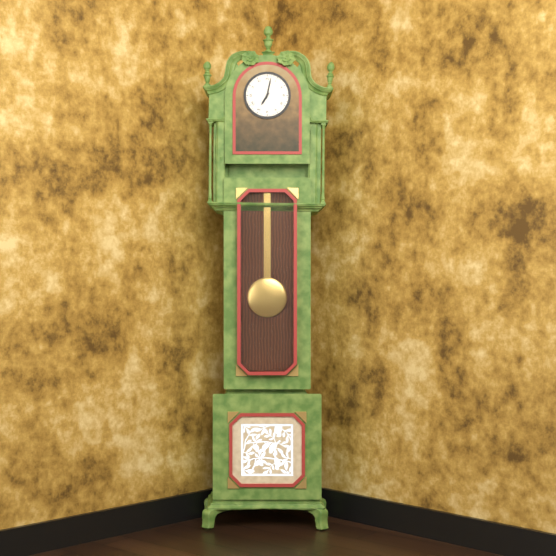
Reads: 7 h 02 min
